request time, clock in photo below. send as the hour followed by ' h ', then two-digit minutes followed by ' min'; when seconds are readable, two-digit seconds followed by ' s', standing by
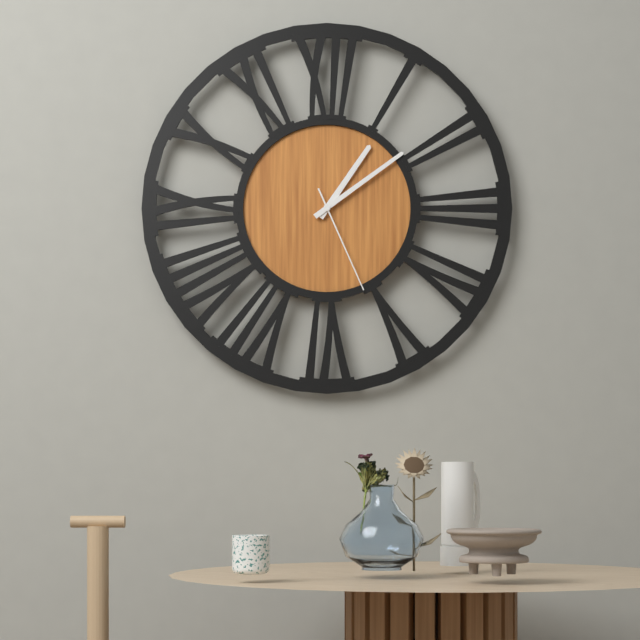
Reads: 1 h 09 min 26 s
